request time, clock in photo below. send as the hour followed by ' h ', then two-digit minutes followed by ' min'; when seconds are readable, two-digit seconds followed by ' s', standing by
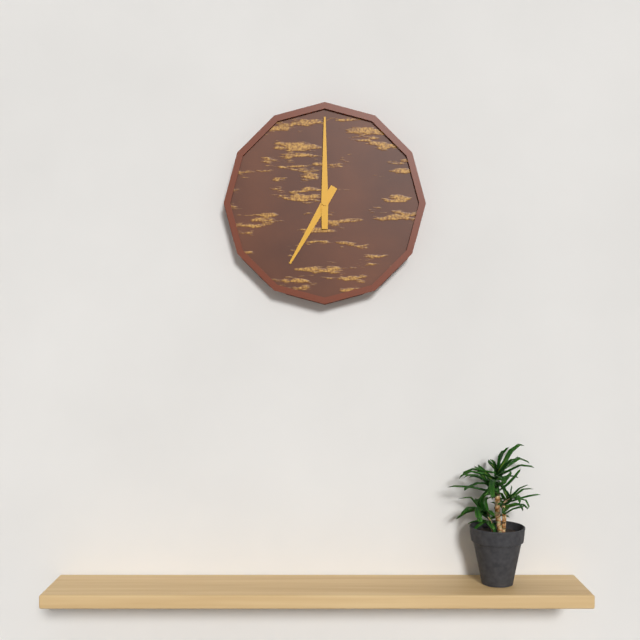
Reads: 7 h 00 min
